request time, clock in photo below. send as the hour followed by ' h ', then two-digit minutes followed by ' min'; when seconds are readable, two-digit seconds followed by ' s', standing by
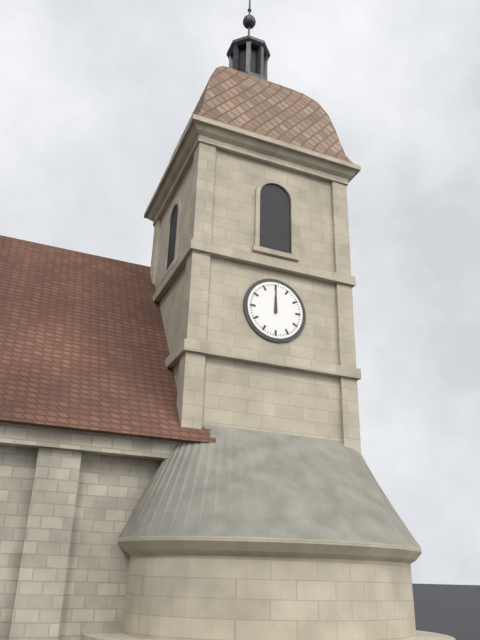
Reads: 12 h 00 min
